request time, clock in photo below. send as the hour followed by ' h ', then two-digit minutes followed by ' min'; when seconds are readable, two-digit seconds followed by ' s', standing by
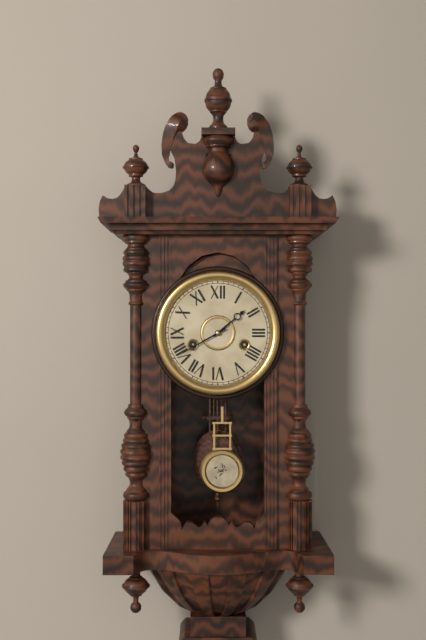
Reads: 1 h 40 min
